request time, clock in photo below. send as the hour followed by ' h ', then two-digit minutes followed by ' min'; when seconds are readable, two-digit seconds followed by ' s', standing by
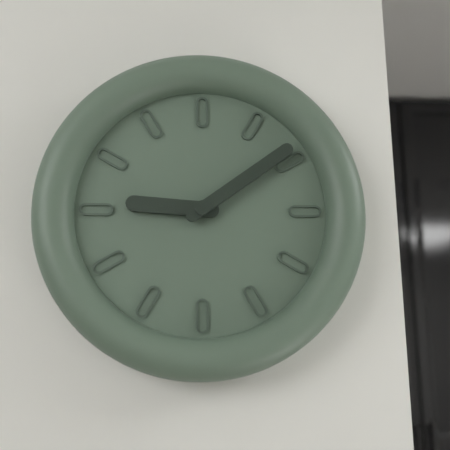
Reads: 9 h 09 min
